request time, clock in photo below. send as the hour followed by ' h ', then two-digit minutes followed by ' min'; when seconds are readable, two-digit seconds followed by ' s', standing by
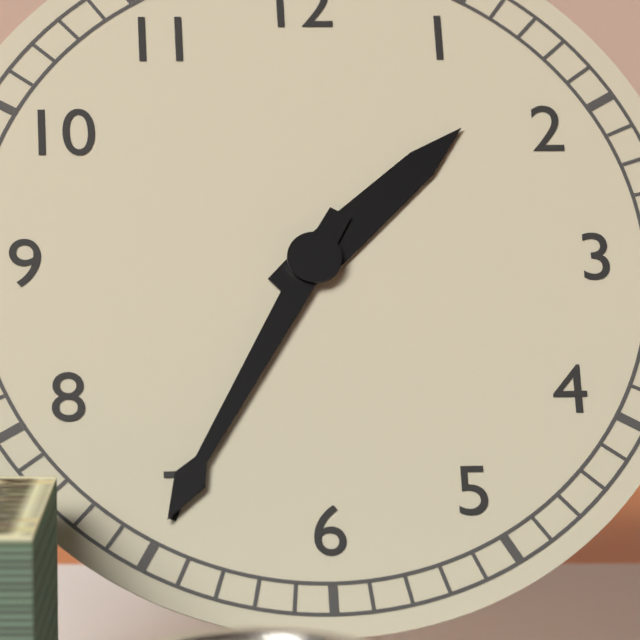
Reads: 1 h 35 min
